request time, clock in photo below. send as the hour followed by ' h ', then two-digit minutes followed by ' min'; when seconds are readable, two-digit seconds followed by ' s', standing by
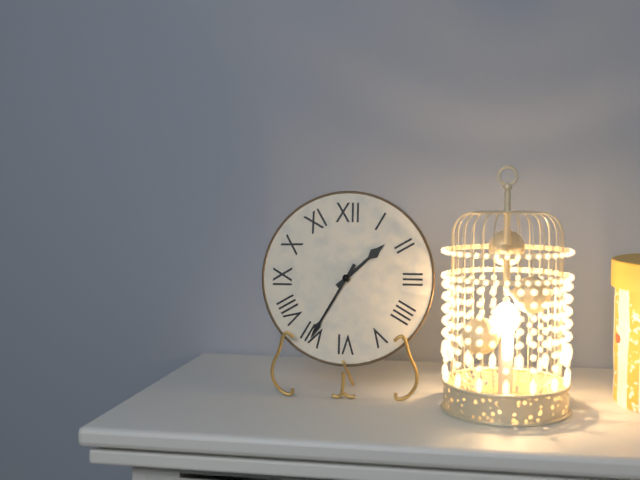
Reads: 1 h 35 min
